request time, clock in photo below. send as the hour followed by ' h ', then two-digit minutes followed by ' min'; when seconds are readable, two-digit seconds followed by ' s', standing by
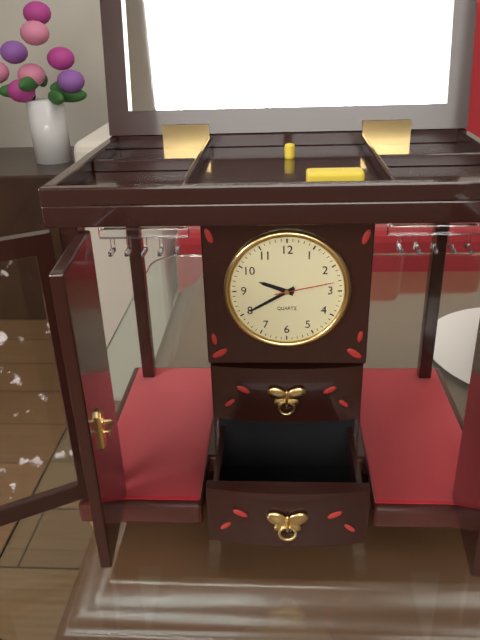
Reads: 9 h 40 min 13 s
